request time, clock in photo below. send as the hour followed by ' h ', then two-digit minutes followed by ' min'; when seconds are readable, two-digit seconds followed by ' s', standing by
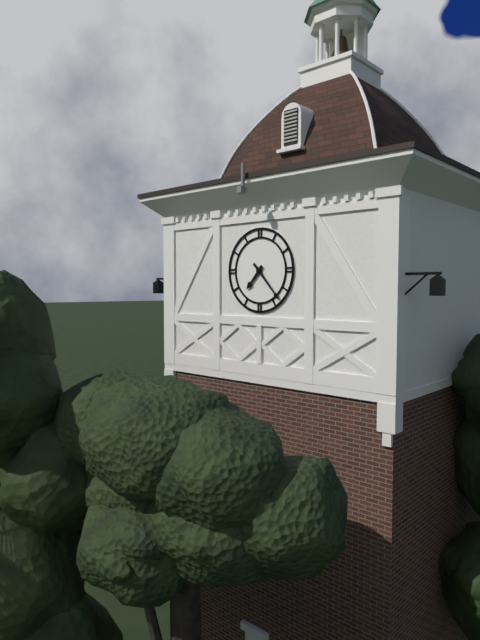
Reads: 7 h 23 min
